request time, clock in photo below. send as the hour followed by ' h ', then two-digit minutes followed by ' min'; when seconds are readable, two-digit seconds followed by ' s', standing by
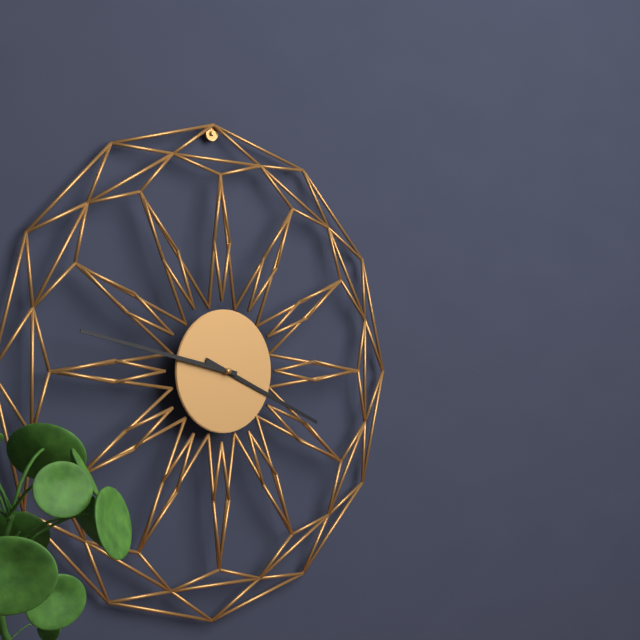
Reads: 3 h 47 min
